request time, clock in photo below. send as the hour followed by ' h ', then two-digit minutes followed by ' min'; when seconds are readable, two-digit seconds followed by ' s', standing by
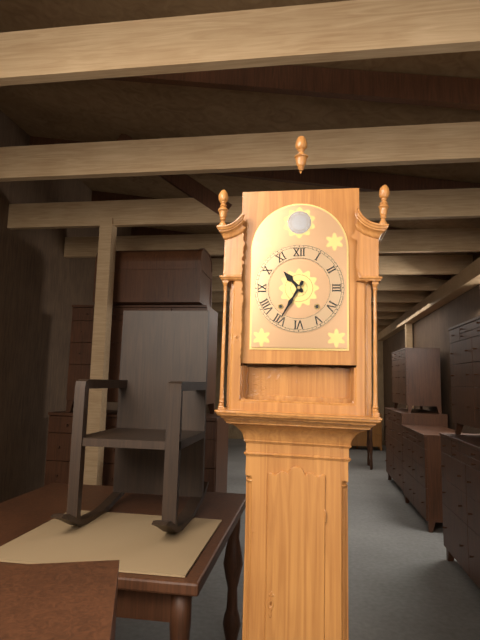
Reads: 10 h 35 min
